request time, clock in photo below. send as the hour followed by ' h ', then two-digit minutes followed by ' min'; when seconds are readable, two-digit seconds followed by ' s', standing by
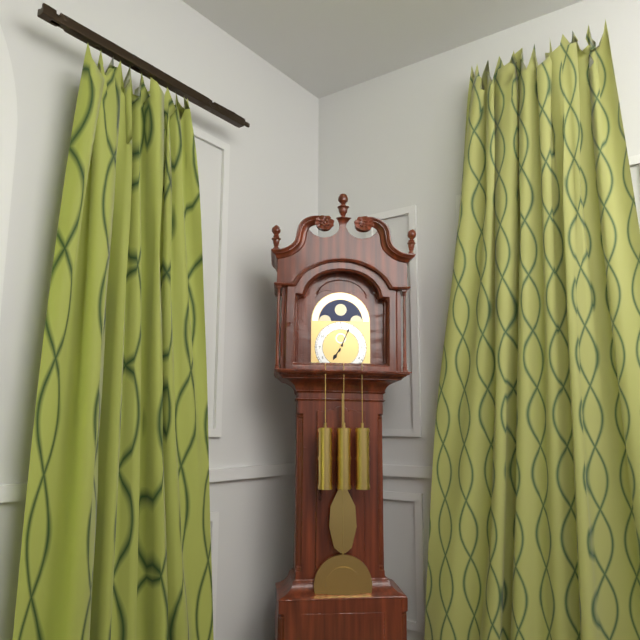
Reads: 7 h 04 min
